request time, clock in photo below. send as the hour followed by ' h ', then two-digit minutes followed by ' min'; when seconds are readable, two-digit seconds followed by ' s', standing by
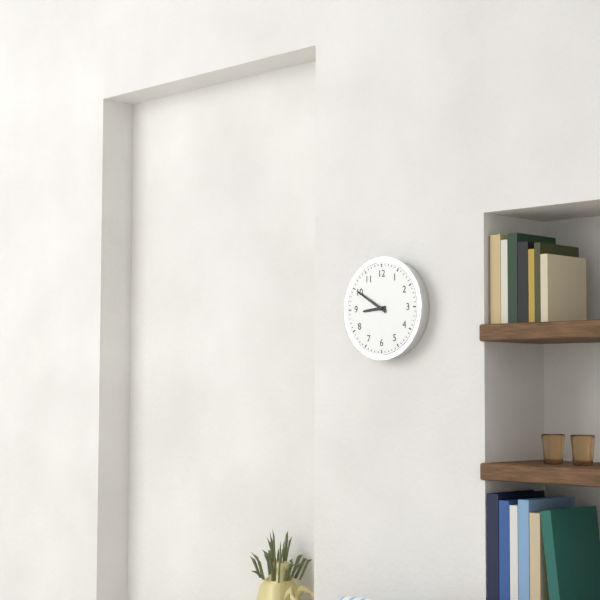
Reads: 8 h 50 min
